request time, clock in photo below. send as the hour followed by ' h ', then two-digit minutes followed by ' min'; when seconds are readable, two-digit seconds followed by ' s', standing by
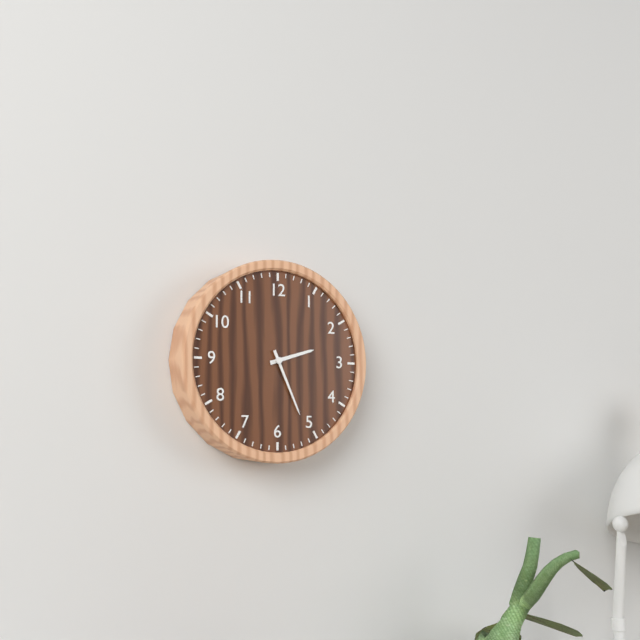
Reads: 2 h 26 min
